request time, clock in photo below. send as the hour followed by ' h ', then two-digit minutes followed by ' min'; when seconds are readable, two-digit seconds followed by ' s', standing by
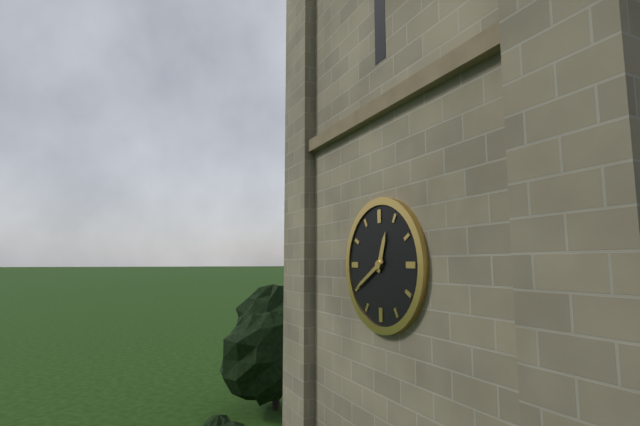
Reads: 12 h 40 min
